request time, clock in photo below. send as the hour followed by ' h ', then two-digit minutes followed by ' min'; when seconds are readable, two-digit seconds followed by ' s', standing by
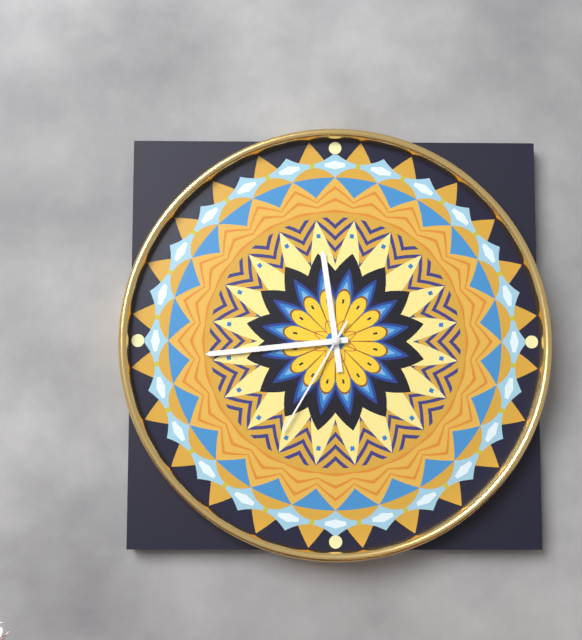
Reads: 11 h 44 min 35 s
